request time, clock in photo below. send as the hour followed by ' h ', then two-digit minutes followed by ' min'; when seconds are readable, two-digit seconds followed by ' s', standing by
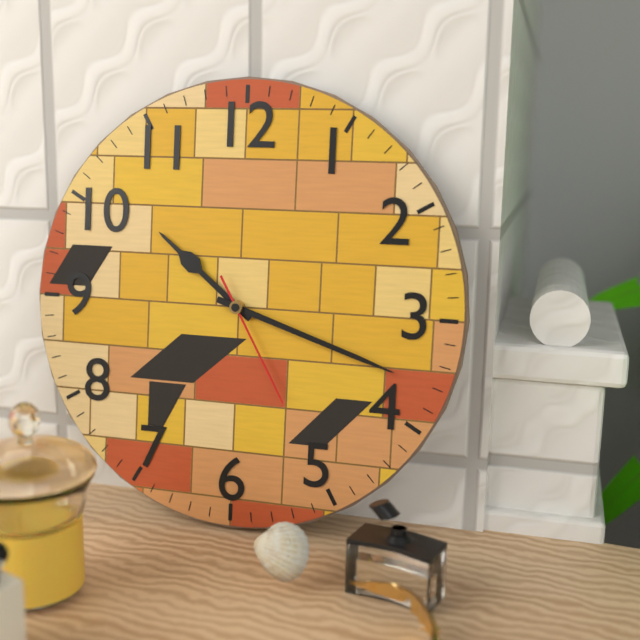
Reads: 10 h 18 min 25 s
